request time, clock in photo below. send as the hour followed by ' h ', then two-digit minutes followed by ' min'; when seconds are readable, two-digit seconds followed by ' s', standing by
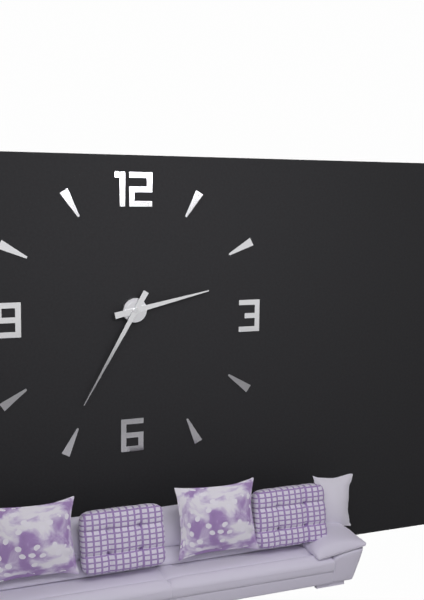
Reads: 2 h 35 min
